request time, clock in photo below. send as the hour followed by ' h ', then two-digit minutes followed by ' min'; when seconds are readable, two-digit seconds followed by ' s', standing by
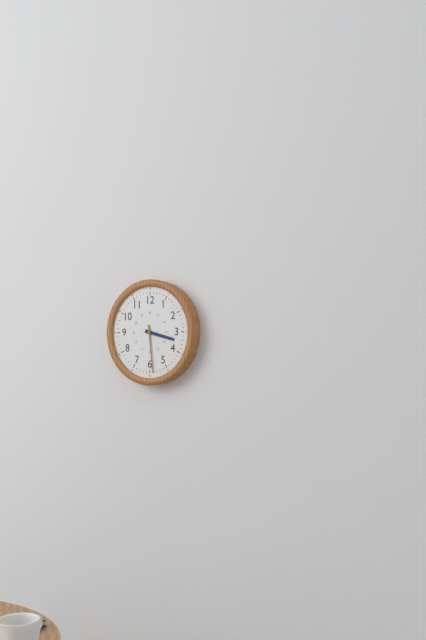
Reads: 3 h 29 min
